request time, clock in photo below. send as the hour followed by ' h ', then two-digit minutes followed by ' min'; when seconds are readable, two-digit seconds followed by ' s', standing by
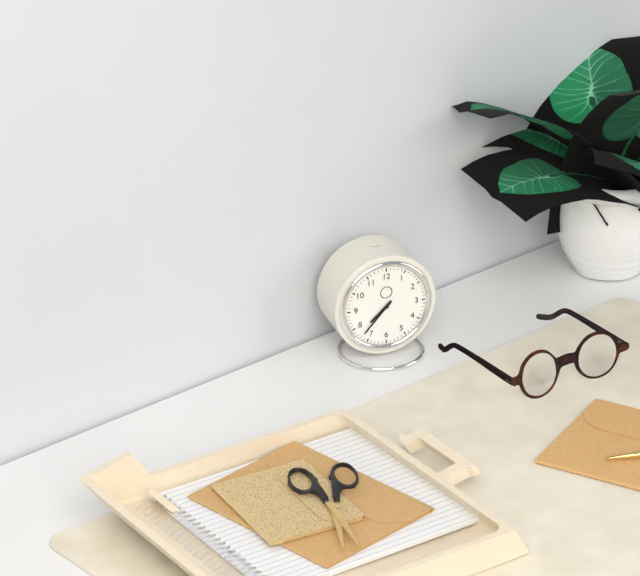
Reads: 7 h 37 min
